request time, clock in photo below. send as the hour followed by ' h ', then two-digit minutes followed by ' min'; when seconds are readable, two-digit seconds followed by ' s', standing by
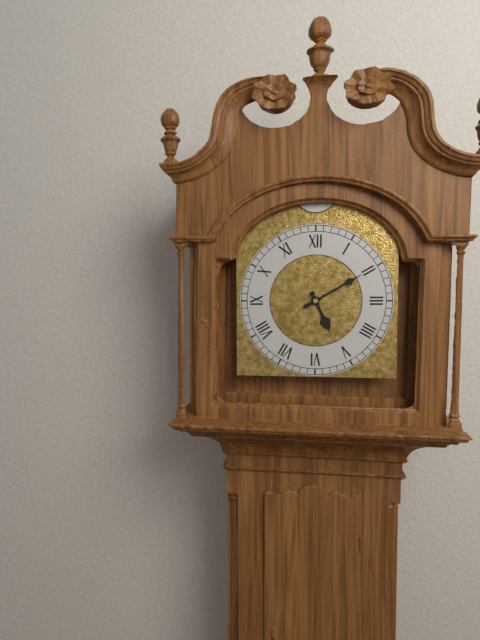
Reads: 5 h 10 min
